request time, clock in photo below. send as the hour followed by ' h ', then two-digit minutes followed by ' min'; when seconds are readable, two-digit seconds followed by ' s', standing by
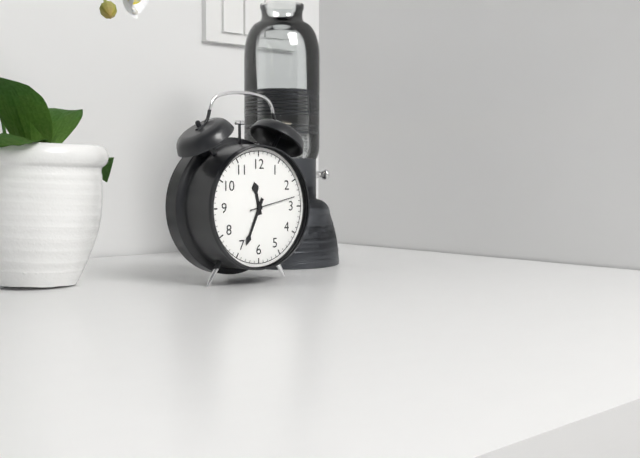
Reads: 11 h 34 min
